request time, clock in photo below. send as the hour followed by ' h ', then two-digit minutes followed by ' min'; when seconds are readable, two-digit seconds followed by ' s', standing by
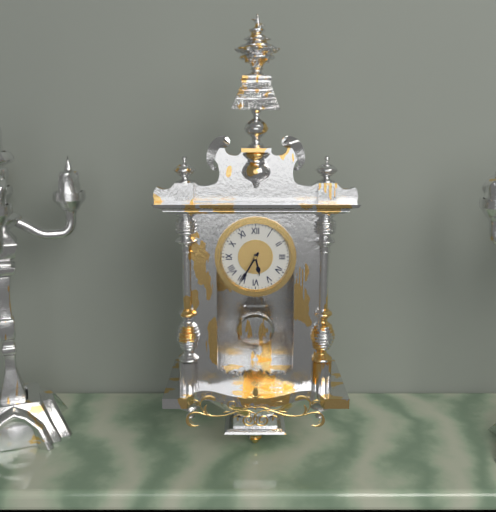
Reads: 5 h 35 min
